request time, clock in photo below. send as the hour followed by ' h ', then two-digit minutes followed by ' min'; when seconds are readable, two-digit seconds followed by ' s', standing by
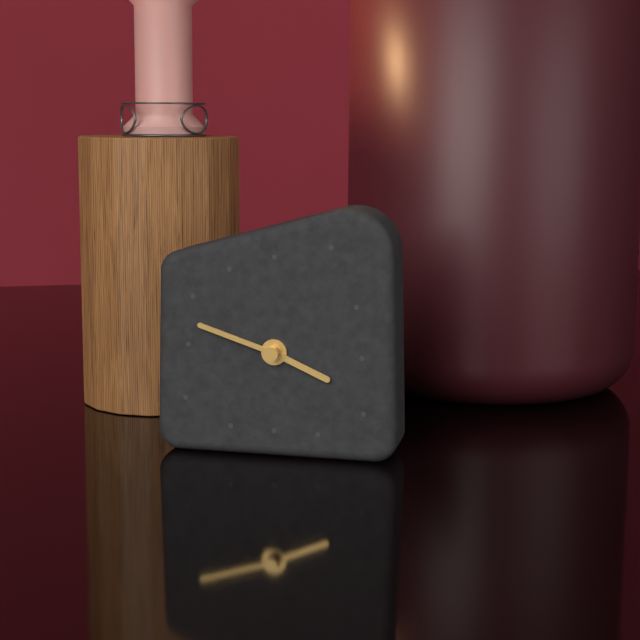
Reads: 3 h 48 min
